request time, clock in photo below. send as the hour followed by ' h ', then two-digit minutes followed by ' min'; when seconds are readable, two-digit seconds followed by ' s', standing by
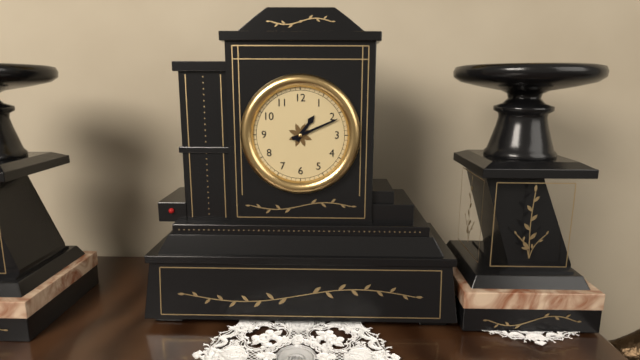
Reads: 1 h 11 min
